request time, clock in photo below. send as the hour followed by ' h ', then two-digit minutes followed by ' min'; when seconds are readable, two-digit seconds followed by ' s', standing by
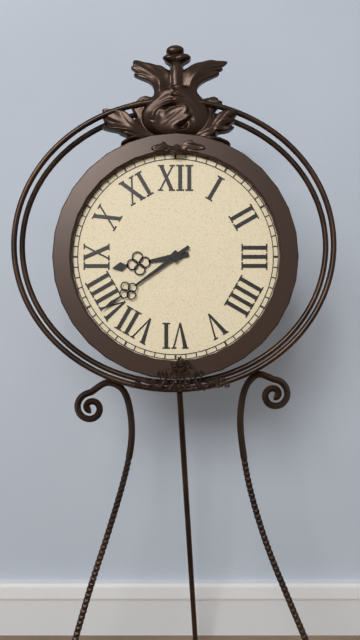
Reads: 8 h 39 min
